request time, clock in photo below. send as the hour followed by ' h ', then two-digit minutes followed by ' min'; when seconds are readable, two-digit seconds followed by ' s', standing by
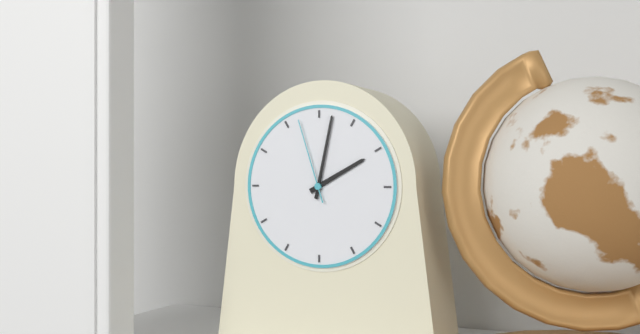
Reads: 2 h 02 min 57 s
